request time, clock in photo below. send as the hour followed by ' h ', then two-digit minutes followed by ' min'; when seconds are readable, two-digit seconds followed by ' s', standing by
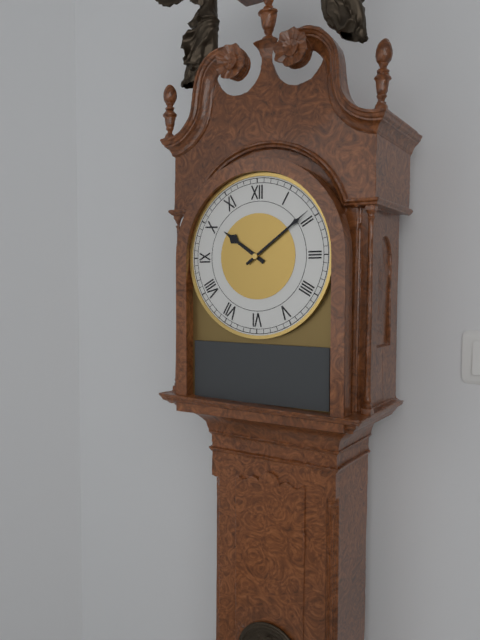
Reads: 10 h 09 min
